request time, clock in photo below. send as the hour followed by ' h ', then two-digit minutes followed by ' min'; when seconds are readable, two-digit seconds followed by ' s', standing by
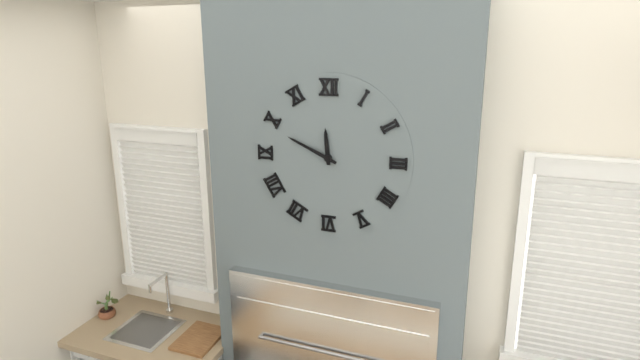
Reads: 11 h 49 min
